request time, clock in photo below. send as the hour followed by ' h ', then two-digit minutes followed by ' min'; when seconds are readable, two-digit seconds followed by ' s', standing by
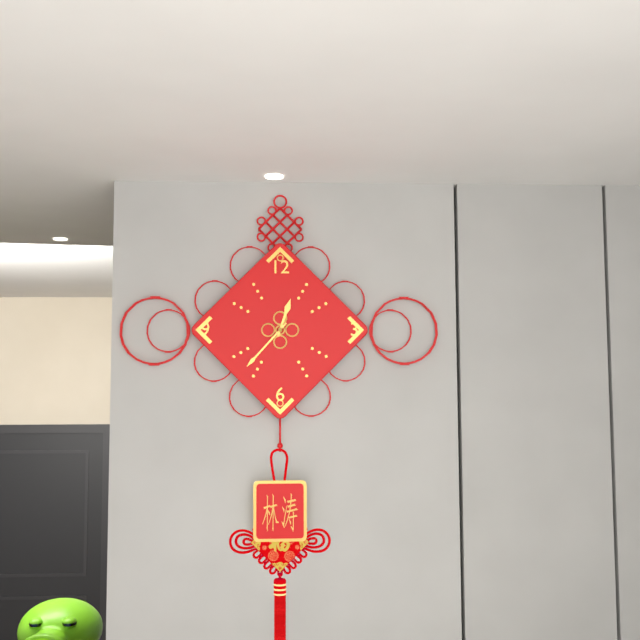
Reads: 12 h 37 min
